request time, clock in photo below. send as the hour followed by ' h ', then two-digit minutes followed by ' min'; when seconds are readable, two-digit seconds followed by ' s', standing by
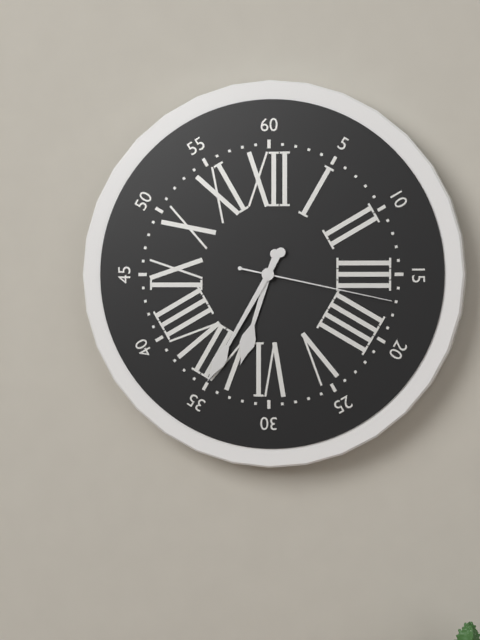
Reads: 6 h 35 min 17 s
